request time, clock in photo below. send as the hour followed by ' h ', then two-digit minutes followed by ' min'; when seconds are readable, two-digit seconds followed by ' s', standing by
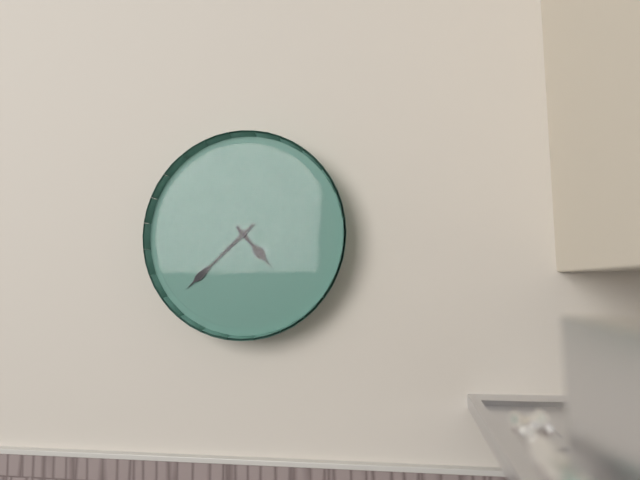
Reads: 4 h 38 min
